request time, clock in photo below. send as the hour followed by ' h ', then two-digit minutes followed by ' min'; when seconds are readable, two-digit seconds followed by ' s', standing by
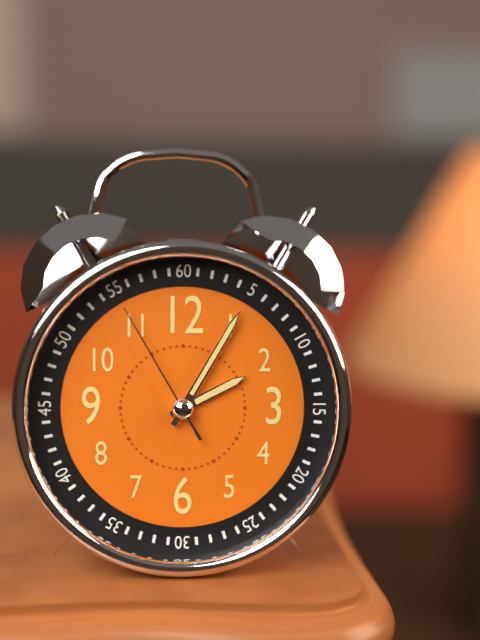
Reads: 2 h 05 min 55 s
